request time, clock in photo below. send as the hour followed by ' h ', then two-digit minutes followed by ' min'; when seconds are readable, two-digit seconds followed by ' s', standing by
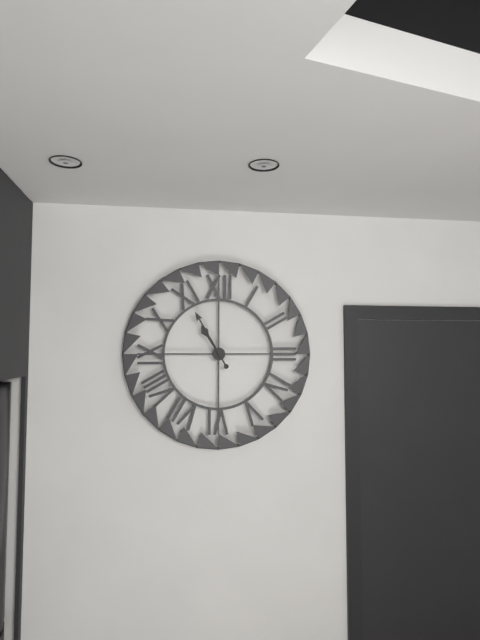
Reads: 10 h 55 min
